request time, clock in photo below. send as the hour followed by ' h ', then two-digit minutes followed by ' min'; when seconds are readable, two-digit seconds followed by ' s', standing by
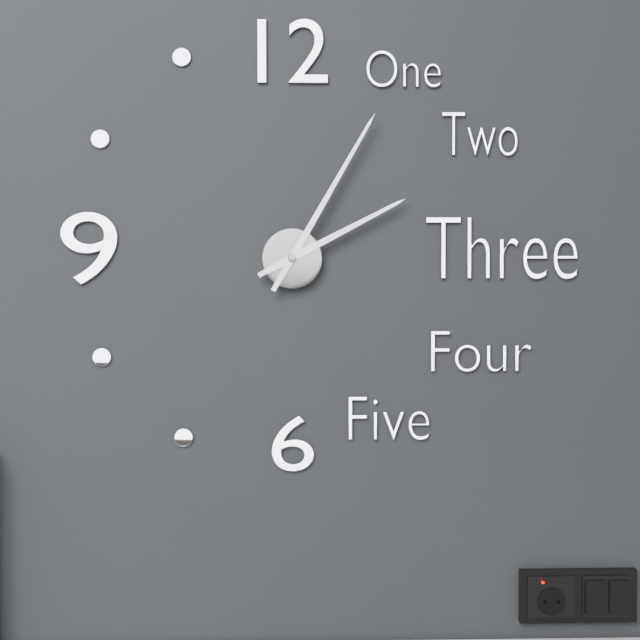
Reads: 2 h 05 min
